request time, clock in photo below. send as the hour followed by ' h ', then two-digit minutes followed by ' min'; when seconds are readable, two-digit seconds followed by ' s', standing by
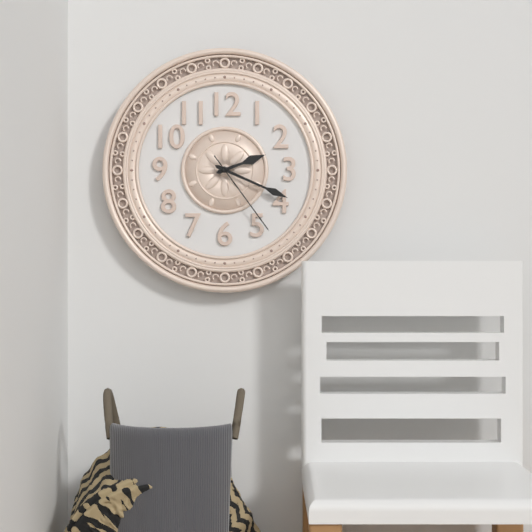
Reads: 2 h 19 min 24 s
